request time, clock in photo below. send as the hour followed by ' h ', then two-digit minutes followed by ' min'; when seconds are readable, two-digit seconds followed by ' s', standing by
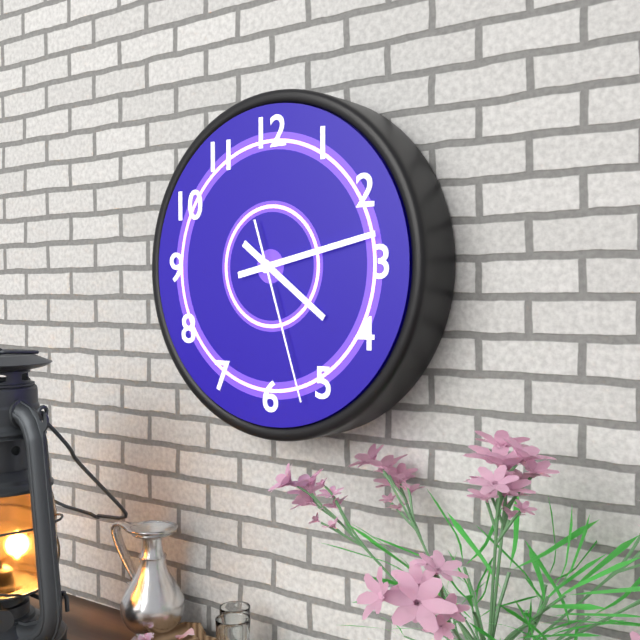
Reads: 4 h 13 min 27 s
